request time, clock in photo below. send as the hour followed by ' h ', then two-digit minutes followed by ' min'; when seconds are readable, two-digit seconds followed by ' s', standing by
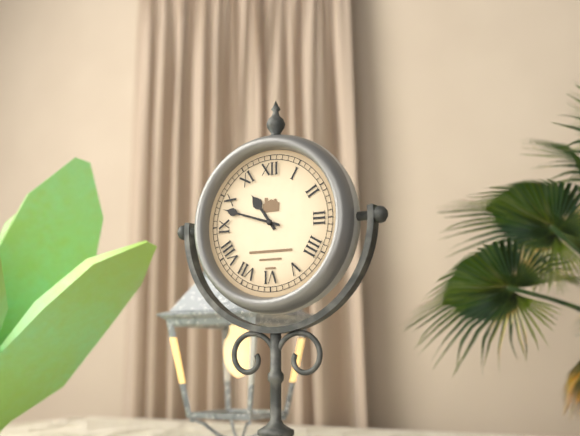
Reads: 10 h 48 min
